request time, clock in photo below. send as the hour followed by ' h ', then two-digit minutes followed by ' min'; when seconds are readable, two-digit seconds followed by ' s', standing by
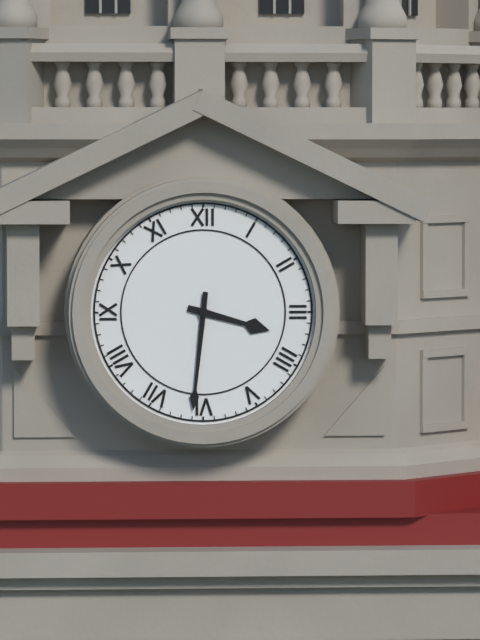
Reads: 3 h 31 min
